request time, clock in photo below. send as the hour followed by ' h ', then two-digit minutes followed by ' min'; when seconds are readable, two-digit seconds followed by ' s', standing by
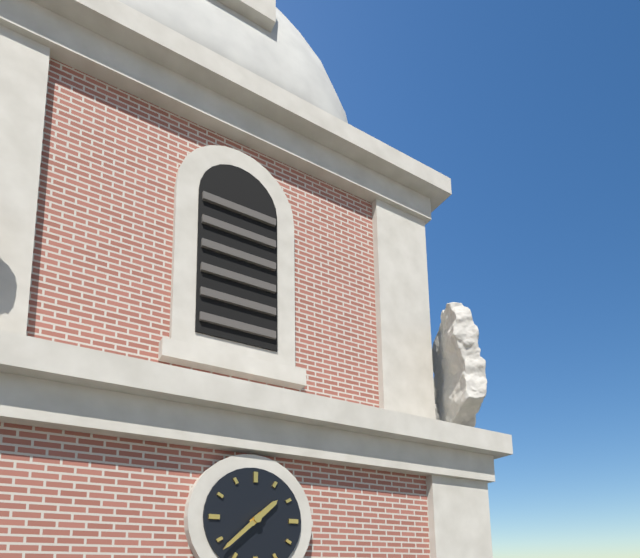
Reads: 1 h 38 min
